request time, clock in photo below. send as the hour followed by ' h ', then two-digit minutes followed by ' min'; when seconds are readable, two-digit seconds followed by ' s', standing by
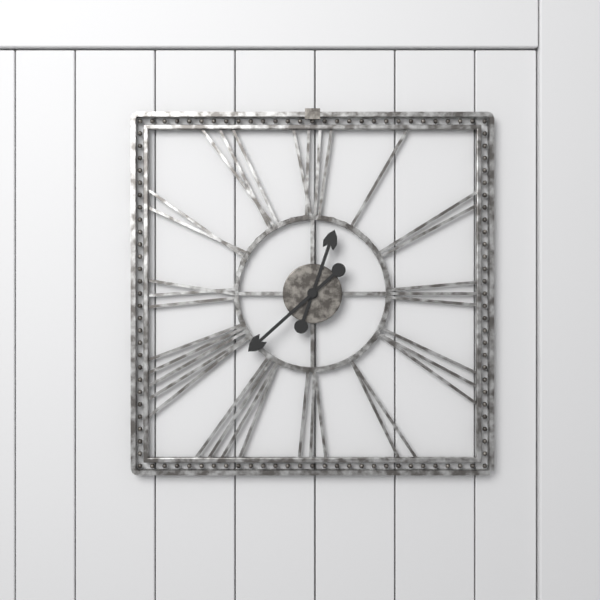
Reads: 12 h 38 min
